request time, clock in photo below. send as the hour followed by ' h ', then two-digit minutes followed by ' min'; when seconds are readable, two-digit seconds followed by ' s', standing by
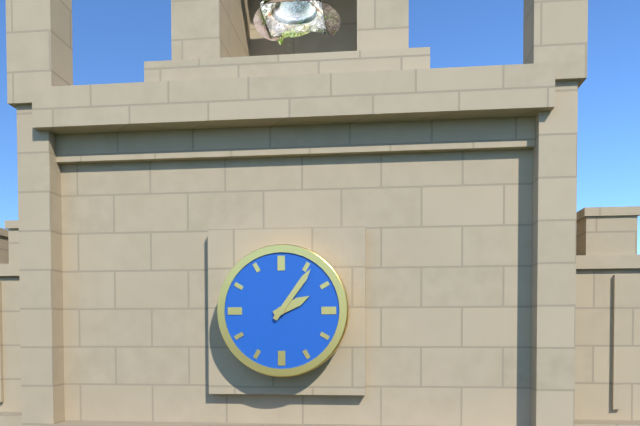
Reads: 2 h 06 min
